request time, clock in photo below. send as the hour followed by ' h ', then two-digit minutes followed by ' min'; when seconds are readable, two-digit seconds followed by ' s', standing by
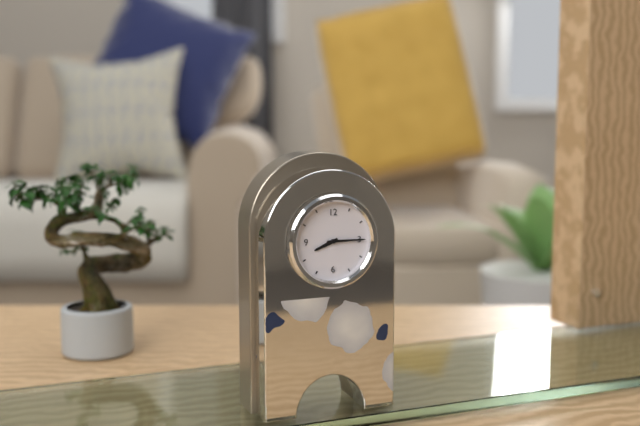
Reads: 8 h 15 min
